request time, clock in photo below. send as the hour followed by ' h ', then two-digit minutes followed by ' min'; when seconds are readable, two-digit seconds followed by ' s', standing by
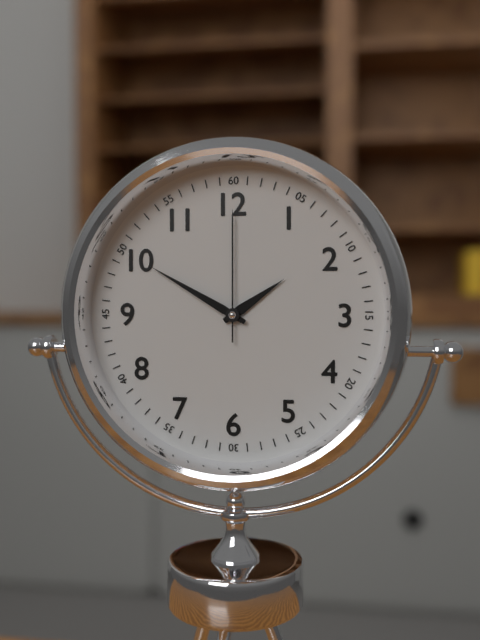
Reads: 1 h 50 min 00 s
